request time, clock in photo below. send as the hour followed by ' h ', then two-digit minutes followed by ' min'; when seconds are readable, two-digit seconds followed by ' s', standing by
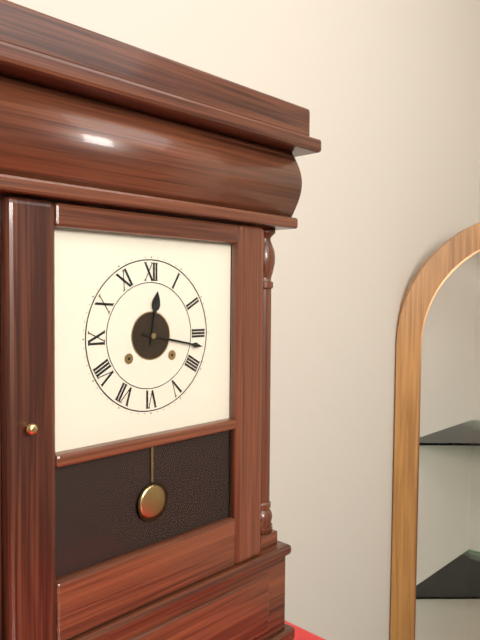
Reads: 12 h 17 min
